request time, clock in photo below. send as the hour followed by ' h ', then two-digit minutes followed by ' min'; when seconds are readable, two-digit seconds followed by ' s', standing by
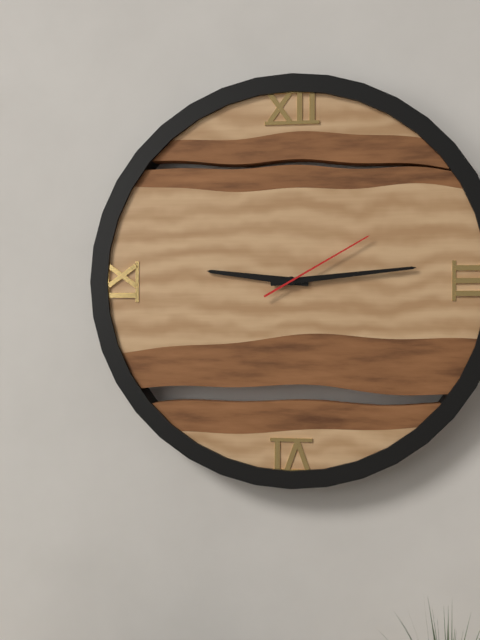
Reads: 9 h 14 min 10 s
